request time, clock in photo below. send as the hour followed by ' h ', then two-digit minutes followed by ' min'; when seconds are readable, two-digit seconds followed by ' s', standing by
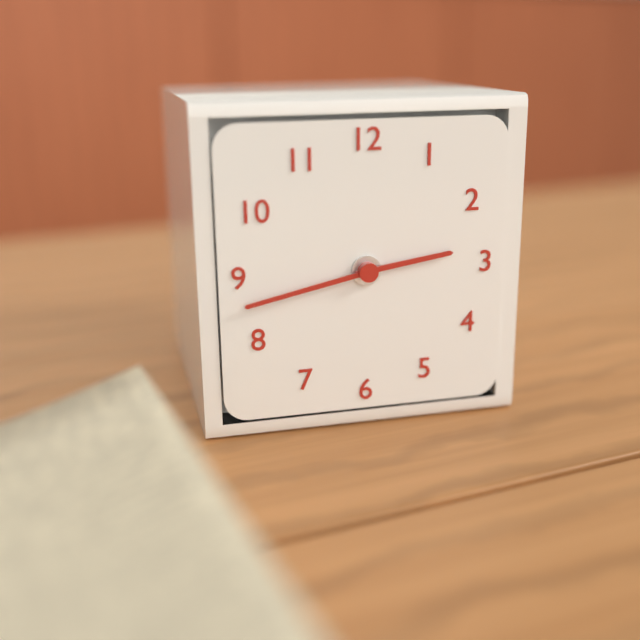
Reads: 2 h 43 min
